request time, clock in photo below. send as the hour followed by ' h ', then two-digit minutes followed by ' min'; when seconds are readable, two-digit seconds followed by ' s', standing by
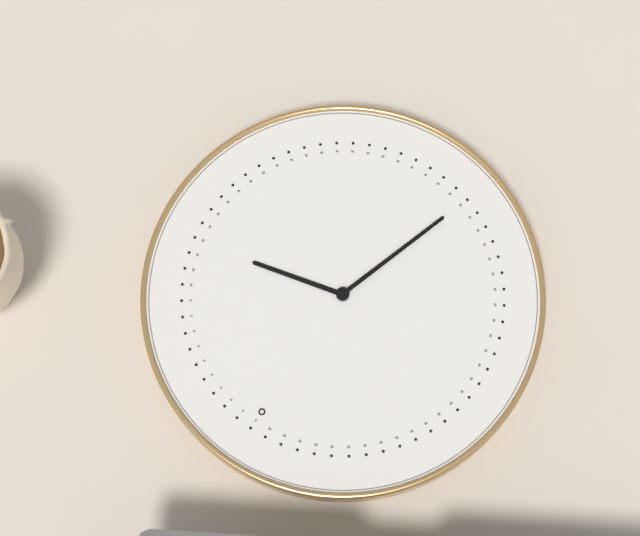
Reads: 2 h 33 min
